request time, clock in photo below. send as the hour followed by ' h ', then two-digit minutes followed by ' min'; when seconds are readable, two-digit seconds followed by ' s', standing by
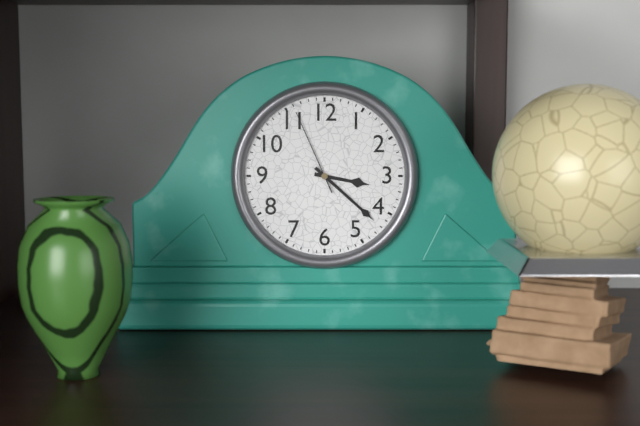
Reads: 3 h 22 min 56 s
